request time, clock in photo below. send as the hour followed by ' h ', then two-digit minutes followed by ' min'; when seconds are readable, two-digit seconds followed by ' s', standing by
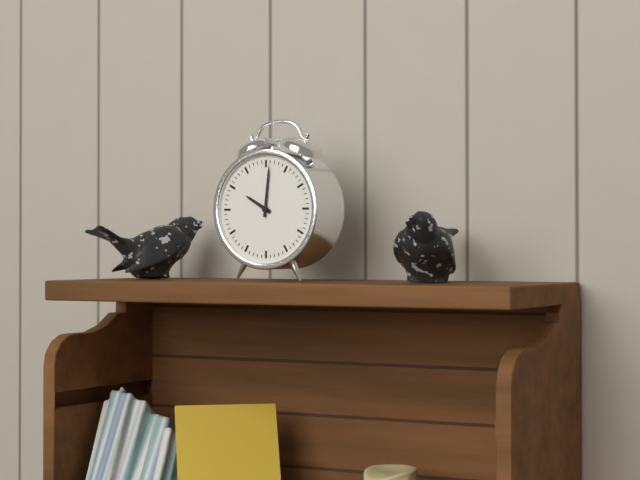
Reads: 10 h 01 min
